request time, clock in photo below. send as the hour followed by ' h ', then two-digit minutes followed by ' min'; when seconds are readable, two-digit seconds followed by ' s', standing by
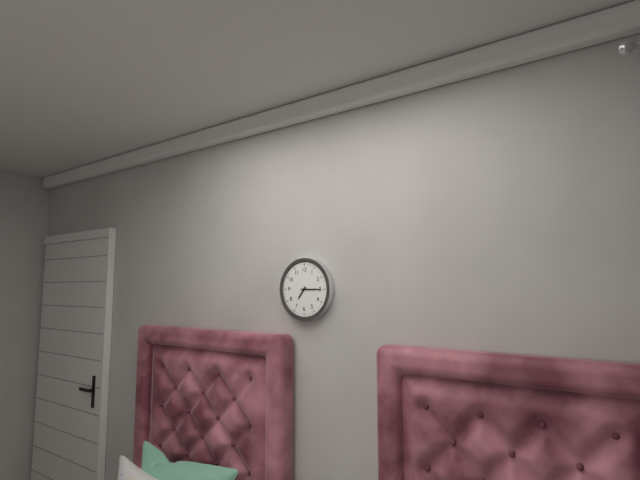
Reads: 7 h 15 min
